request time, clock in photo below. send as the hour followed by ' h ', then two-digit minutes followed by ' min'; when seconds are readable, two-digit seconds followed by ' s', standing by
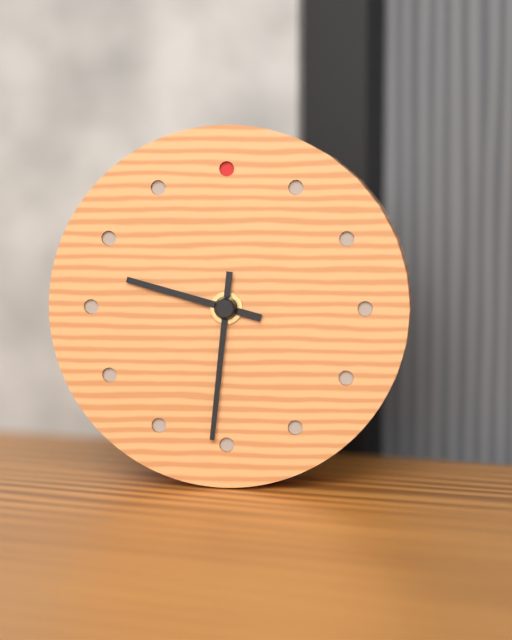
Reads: 9 h 31 min
